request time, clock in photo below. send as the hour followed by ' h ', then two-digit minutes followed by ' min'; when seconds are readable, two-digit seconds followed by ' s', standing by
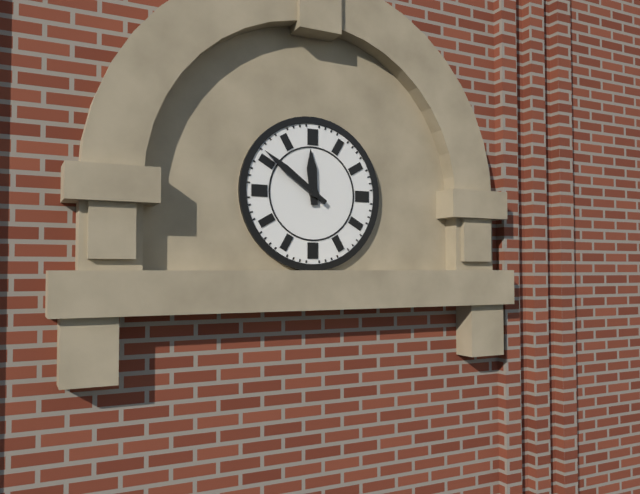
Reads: 11 h 51 min
